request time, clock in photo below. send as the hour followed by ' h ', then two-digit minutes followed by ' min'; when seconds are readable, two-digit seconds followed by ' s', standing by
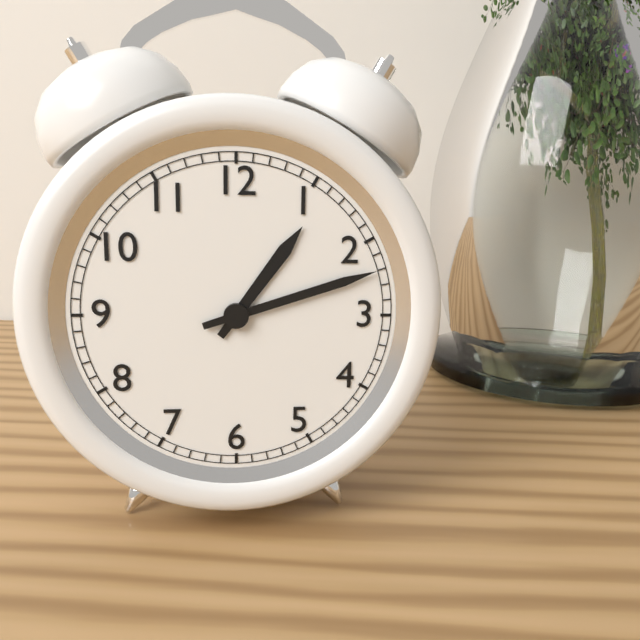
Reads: 1 h 12 min
